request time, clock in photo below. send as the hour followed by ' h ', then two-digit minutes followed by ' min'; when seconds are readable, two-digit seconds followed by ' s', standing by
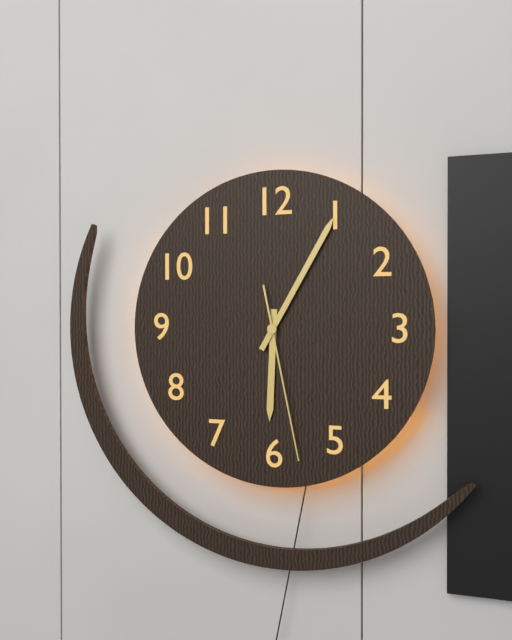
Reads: 6 h 05 min 28 s
